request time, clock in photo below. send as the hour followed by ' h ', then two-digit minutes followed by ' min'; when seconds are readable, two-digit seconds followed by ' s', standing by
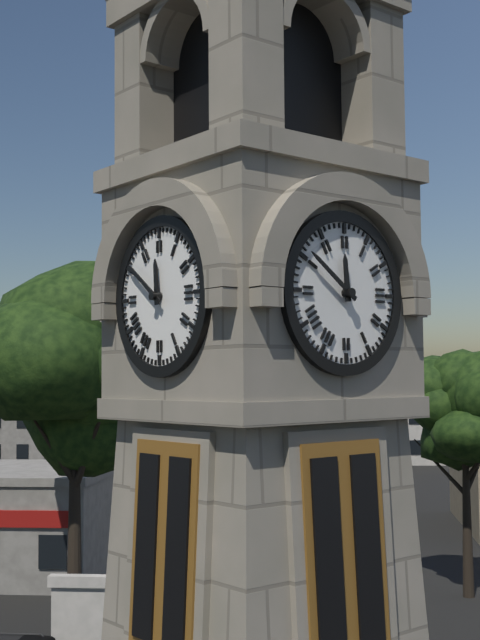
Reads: 11 h 51 min
